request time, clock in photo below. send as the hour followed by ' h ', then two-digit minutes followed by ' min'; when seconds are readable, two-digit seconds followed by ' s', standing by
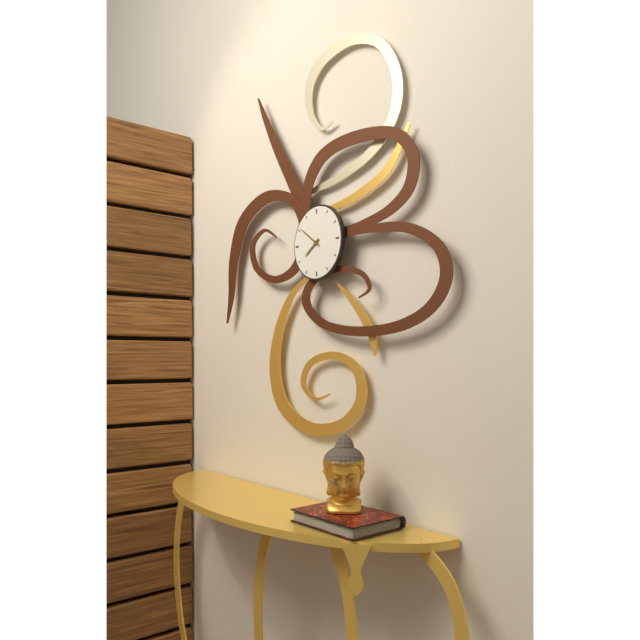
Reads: 7 h 51 min
